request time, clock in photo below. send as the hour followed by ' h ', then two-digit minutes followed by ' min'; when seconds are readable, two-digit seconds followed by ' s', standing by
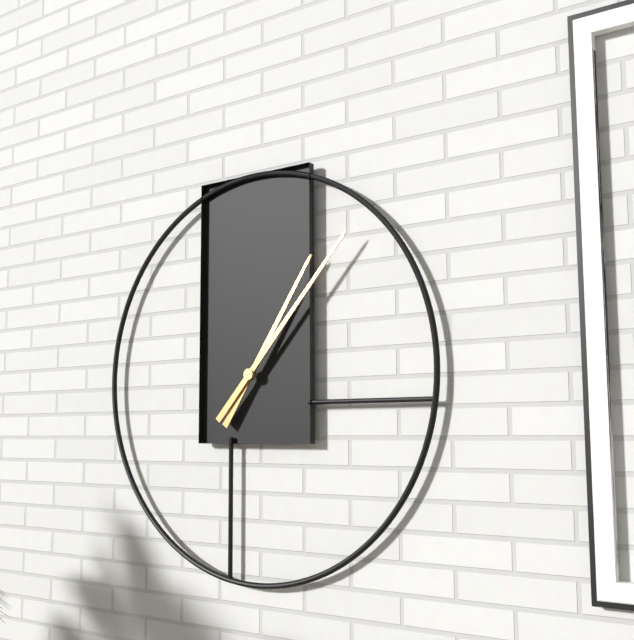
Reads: 1 h 07 min
